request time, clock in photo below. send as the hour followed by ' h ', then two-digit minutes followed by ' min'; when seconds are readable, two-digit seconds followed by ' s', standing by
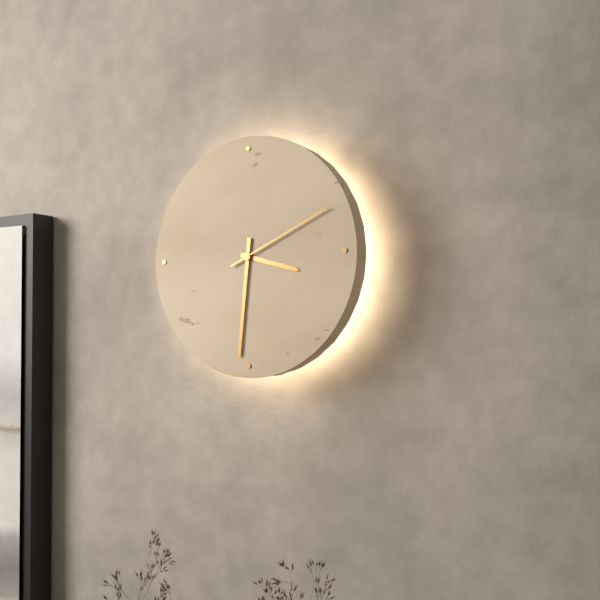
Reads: 3 h 31 min 11 s
